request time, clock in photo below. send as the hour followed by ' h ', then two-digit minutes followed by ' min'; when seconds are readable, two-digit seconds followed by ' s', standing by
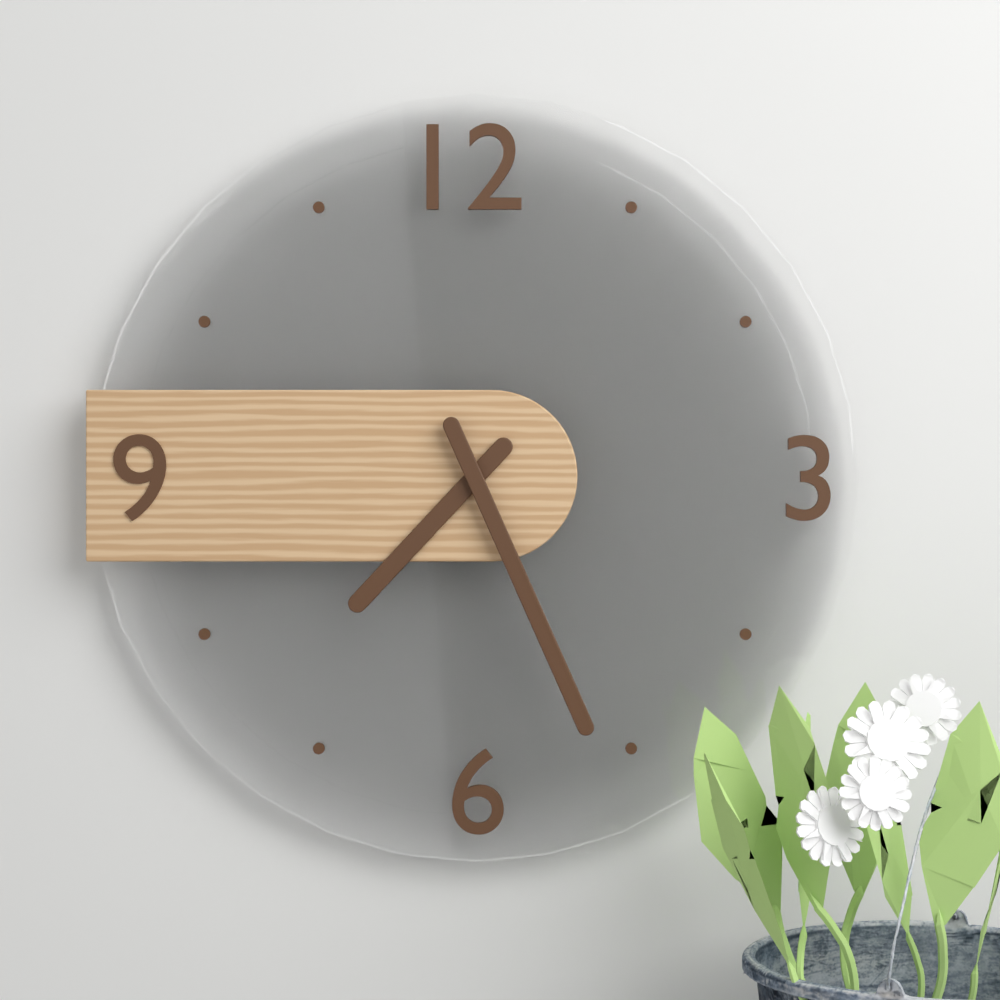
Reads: 7 h 26 min
